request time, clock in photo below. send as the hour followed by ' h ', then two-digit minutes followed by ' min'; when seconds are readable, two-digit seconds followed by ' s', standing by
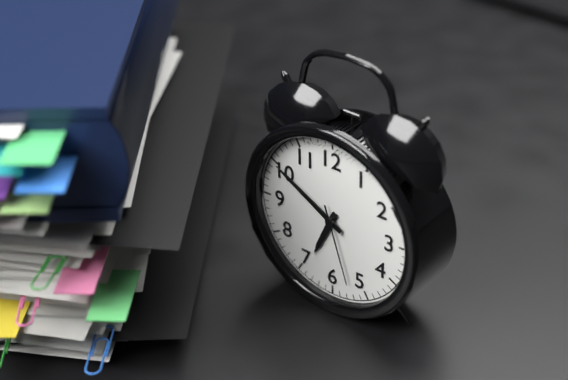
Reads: 6 h 50 min 27 s
